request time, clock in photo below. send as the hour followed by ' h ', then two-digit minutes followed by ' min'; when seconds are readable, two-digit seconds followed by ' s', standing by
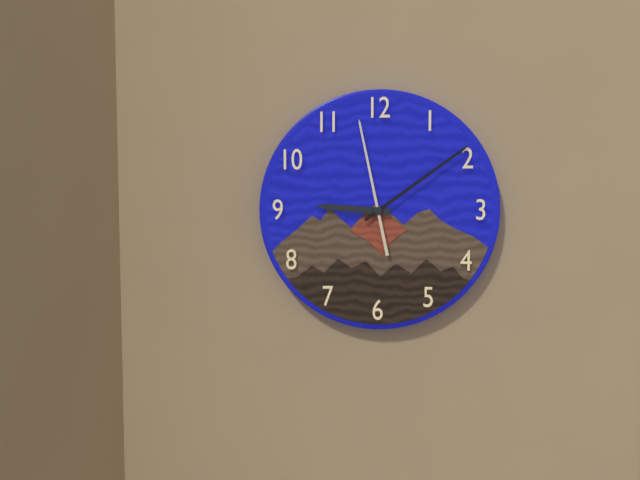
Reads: 9 h 09 min 58 s
